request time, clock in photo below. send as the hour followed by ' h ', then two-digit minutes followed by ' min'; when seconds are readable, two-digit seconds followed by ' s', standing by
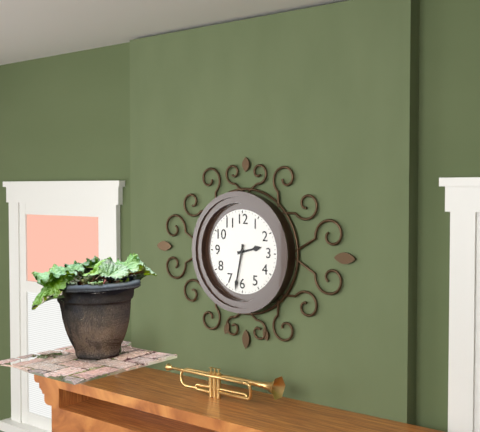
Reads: 2 h 32 min
